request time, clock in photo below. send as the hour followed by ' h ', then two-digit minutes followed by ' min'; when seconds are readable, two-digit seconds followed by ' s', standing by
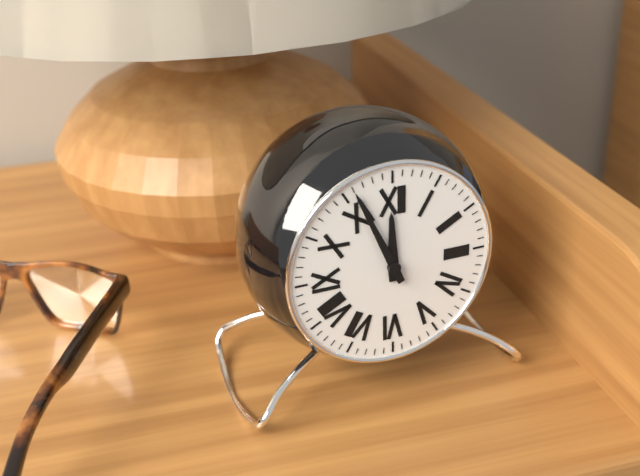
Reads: 11 h 56 min
